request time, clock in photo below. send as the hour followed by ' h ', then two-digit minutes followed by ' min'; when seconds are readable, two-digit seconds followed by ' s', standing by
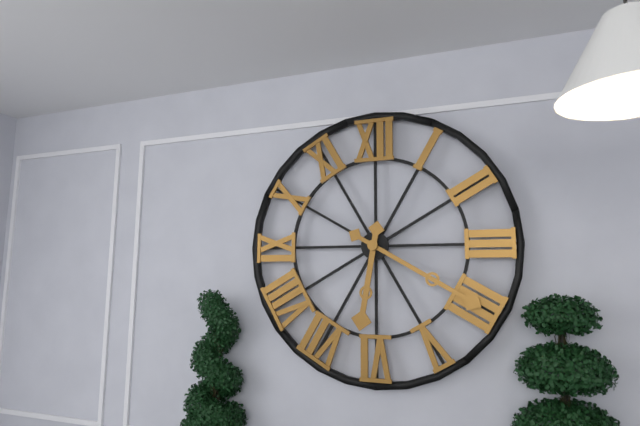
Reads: 6 h 20 min
